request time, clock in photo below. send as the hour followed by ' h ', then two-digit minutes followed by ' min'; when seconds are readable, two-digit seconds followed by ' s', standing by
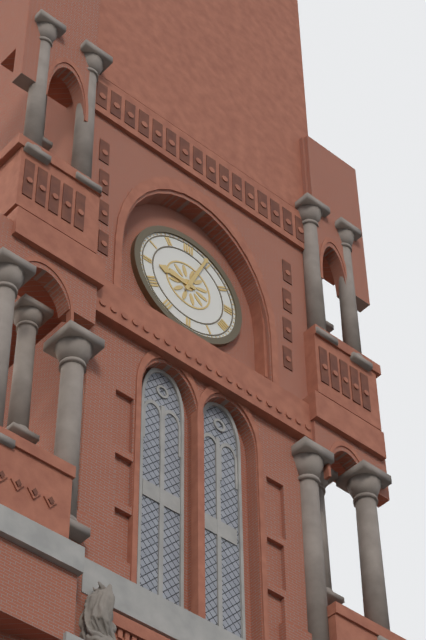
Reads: 9 h 04 min
